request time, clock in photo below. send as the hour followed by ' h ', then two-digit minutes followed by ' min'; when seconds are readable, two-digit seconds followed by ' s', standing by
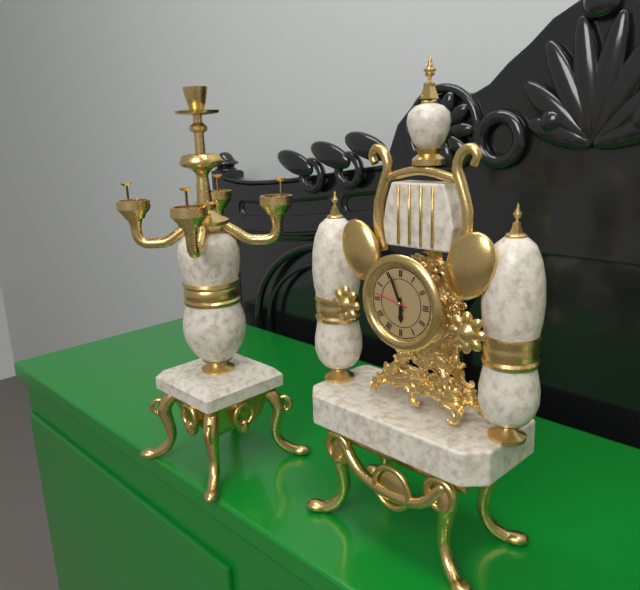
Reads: 5 h 56 min
